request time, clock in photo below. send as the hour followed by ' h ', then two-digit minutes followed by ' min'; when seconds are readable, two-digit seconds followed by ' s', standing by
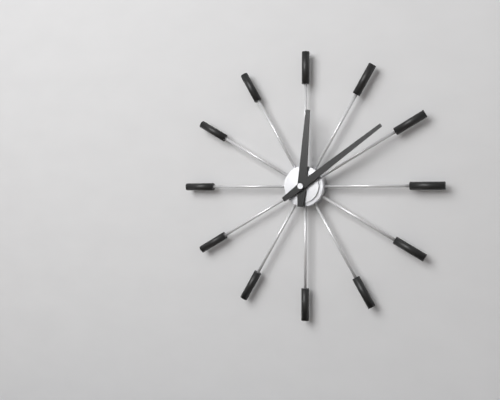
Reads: 12 h 09 min
